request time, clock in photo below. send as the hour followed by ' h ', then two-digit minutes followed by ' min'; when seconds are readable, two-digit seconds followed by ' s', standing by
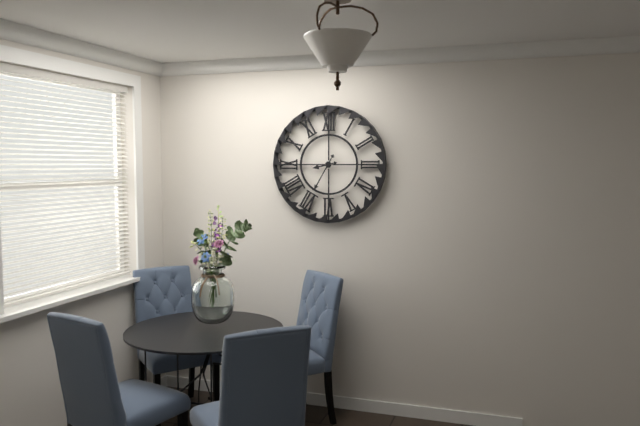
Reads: 8 h 35 min
